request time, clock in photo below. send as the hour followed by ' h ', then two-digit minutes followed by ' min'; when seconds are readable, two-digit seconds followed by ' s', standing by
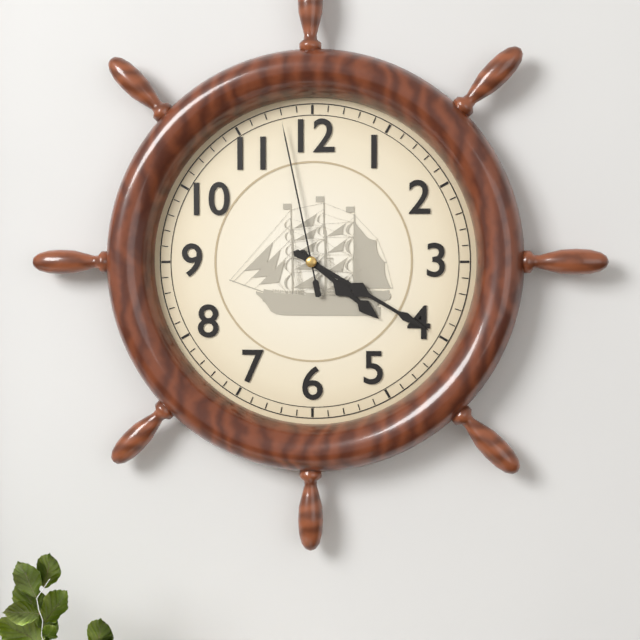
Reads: 4 h 20 min 58 s
